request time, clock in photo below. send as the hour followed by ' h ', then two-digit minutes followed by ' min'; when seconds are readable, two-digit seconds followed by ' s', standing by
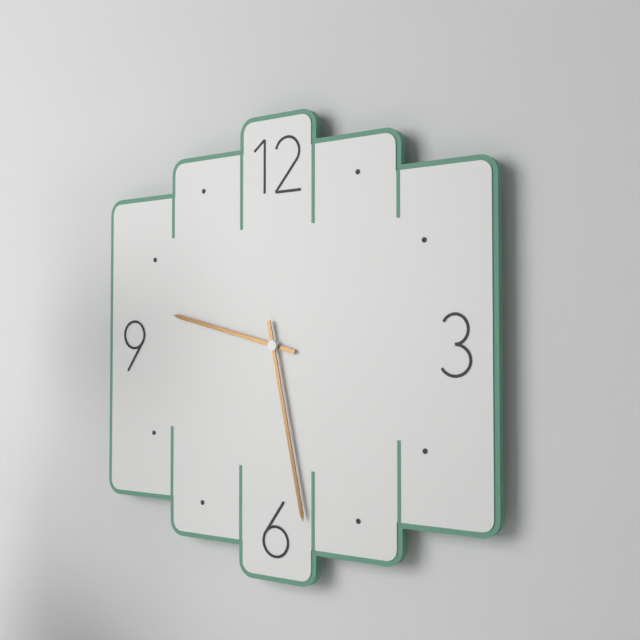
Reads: 9 h 28 min
